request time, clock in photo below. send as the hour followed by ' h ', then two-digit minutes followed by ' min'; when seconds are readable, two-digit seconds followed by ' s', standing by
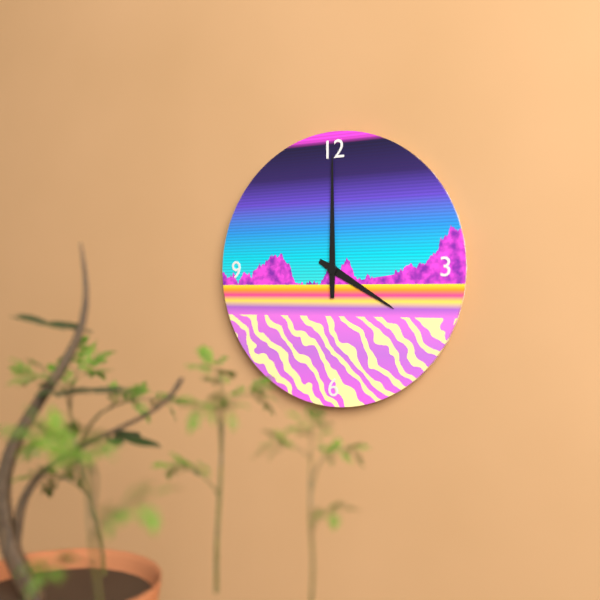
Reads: 4 h 00 min
